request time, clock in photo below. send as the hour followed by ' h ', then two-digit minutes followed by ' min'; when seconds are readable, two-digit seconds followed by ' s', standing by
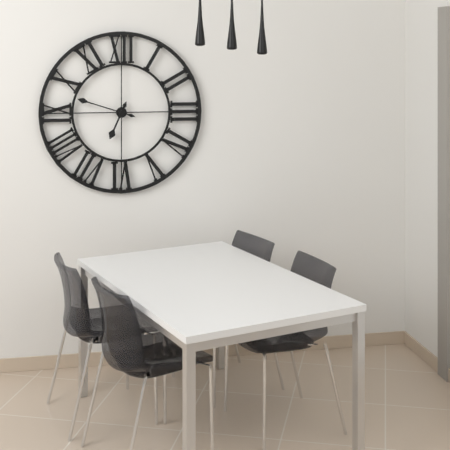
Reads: 6 h 48 min
